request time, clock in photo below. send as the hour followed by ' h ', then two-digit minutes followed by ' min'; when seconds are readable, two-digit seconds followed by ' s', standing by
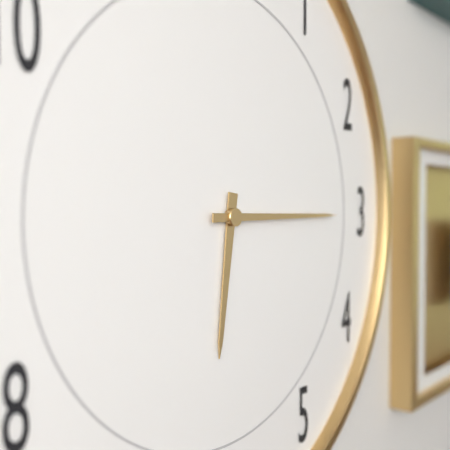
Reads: 6 h 15 min
